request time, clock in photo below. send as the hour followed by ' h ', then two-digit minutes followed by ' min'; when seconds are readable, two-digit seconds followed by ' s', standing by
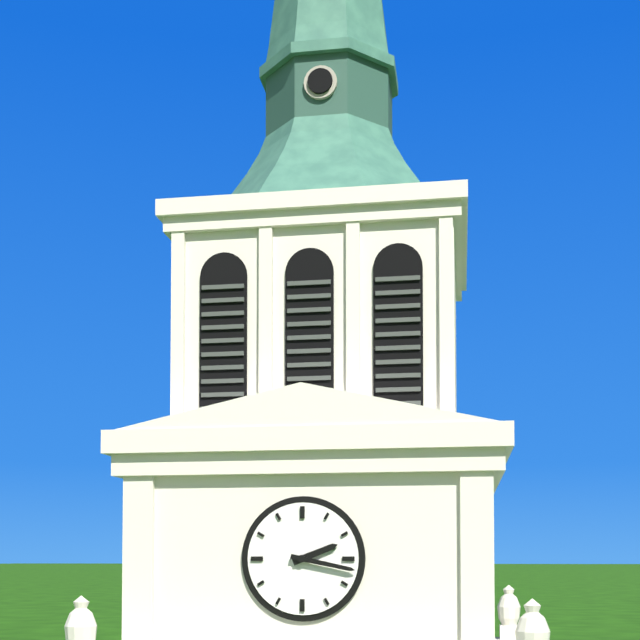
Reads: 2 h 17 min
